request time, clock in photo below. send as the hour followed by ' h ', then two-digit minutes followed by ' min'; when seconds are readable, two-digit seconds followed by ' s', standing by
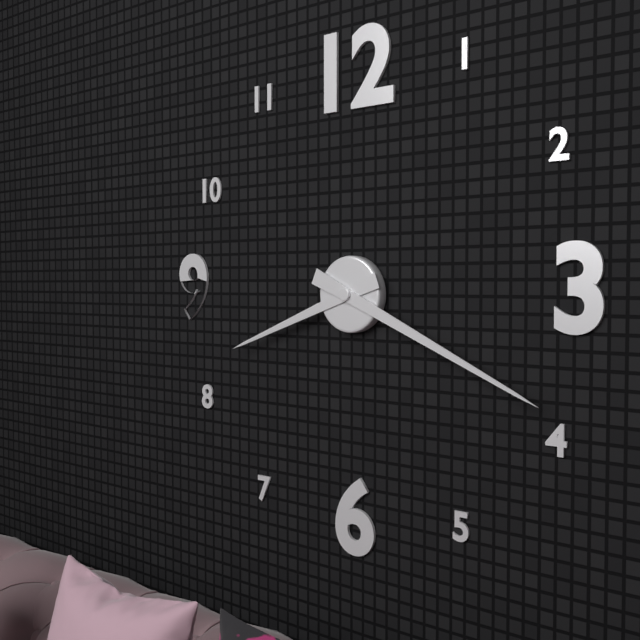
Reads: 8 h 19 min
